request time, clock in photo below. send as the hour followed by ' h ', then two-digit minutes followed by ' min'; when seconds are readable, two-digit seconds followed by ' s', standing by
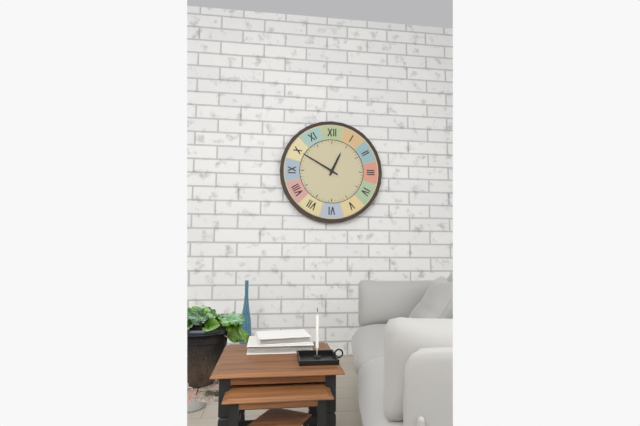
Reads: 12 h 50 min
